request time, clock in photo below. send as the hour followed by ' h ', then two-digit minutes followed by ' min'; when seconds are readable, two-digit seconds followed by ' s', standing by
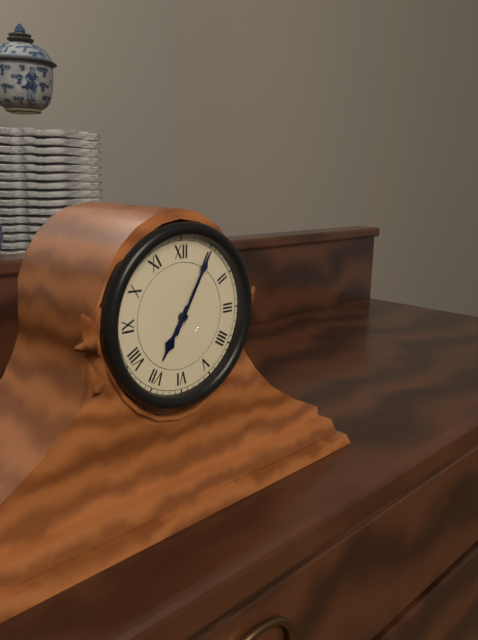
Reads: 7 h 05 min
